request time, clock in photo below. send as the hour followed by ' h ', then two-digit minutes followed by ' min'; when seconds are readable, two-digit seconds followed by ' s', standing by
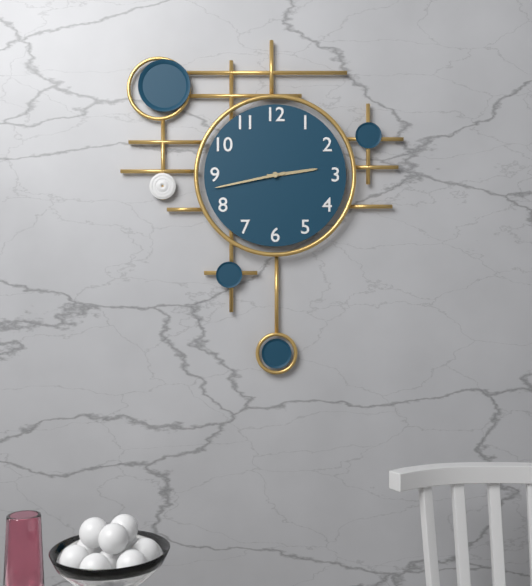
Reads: 2 h 43 min
